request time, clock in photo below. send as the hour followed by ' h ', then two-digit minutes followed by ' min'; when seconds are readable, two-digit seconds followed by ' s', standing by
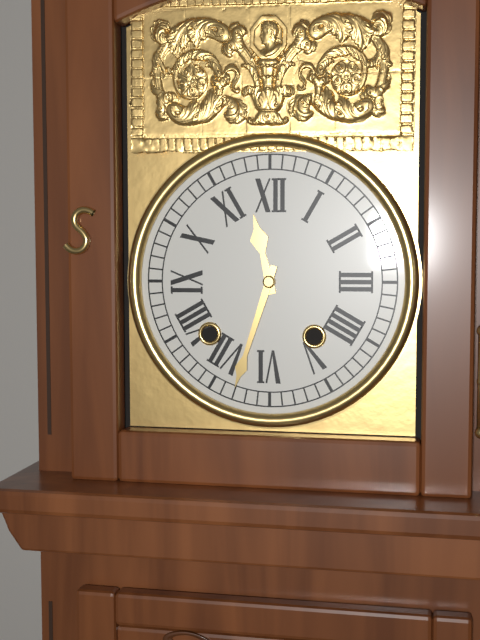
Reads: 11 h 33 min
